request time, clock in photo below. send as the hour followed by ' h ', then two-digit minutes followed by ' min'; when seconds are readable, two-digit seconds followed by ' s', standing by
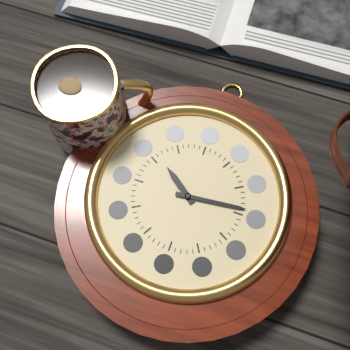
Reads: 10 h 14 min
